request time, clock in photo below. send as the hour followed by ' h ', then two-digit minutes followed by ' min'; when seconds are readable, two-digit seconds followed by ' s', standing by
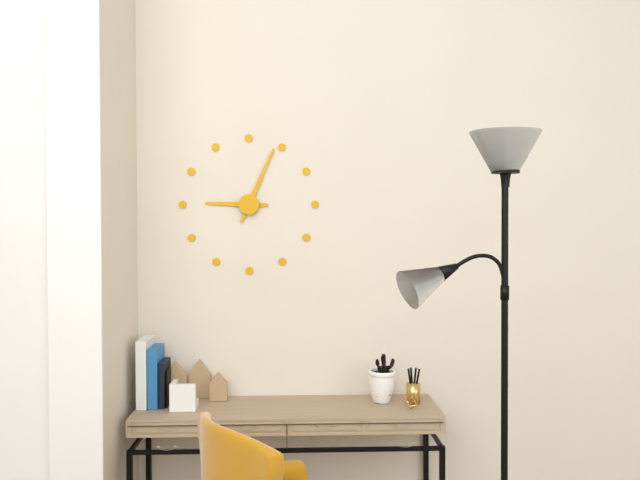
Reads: 9 h 04 min
